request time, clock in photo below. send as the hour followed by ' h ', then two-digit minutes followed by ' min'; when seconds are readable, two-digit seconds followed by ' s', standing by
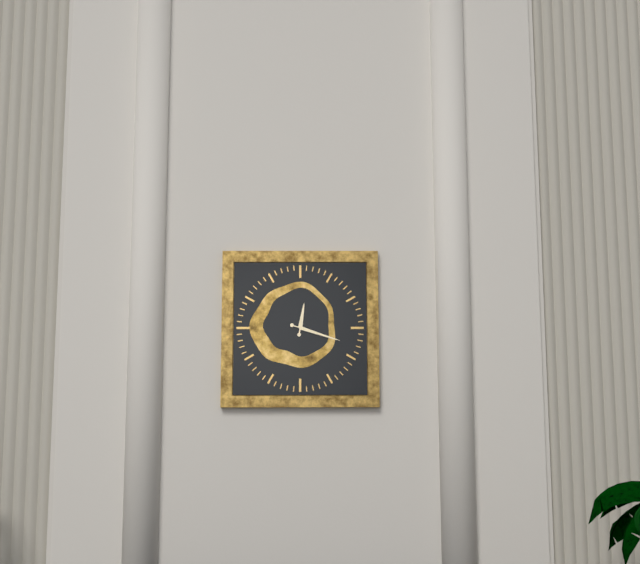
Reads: 12 h 18 min
